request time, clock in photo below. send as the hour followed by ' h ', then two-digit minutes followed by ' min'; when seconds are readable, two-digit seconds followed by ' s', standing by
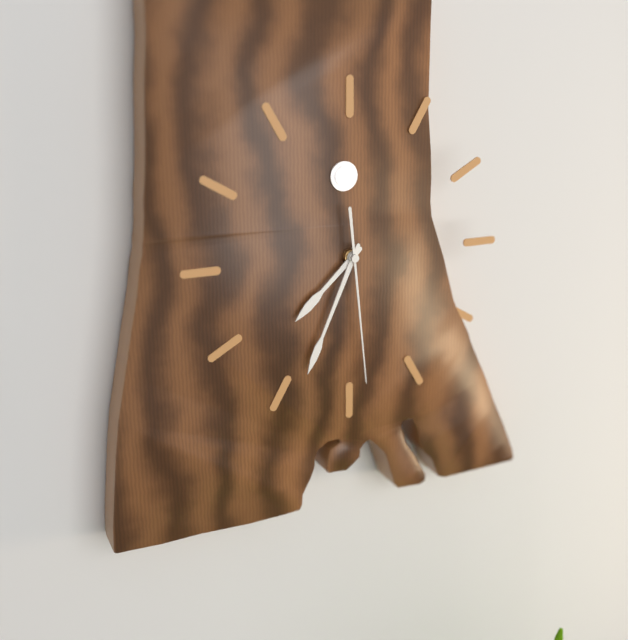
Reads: 7 h 34 min 29 s
